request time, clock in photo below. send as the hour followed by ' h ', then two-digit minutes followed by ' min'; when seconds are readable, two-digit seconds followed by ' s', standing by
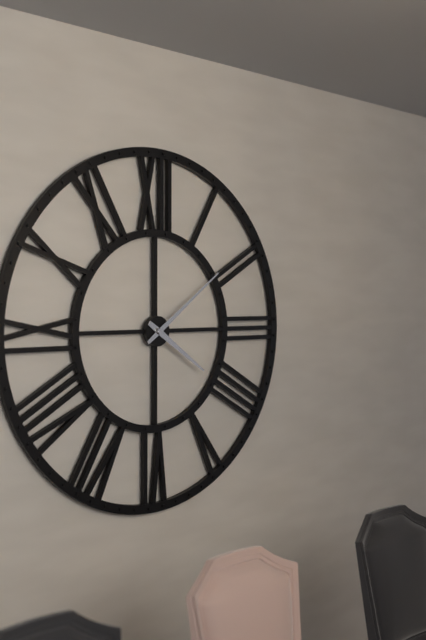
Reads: 4 h 09 min
